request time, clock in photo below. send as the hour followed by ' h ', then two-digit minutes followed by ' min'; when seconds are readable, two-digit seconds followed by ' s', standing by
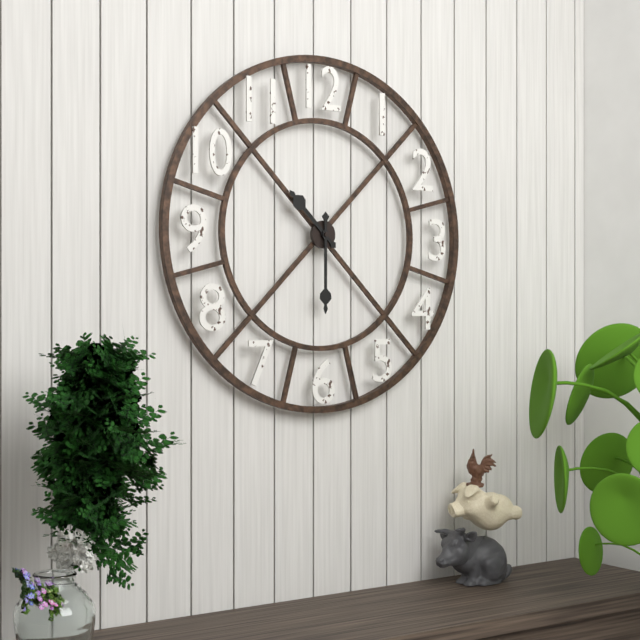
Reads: 10 h 30 min
